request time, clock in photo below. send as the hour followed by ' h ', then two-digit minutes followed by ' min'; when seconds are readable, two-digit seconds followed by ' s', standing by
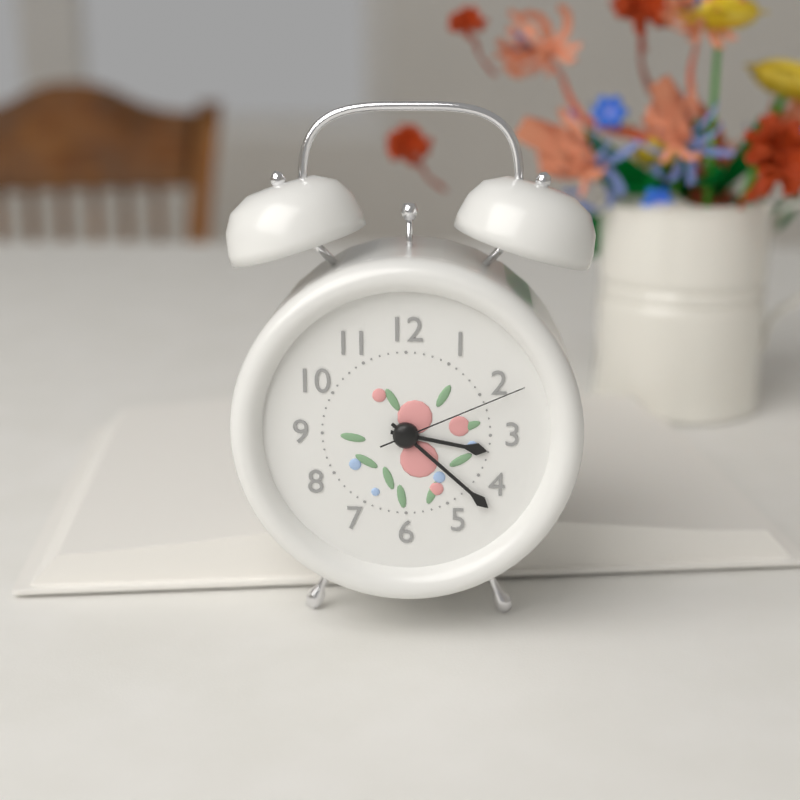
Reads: 3 h 22 min 11 s
